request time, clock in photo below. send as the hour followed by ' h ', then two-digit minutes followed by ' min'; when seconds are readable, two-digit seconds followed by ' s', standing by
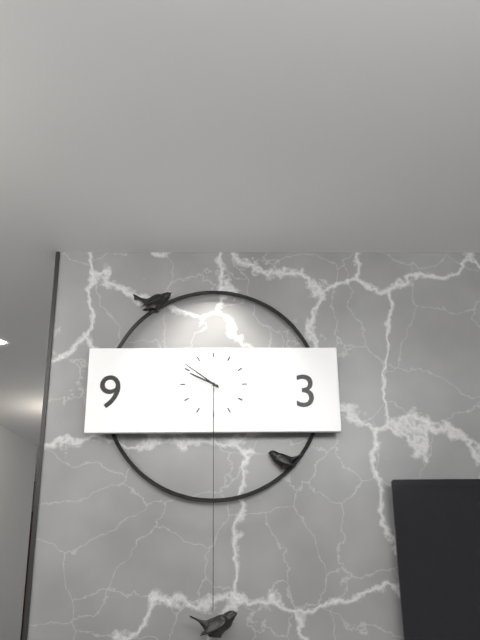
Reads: 9 h 51 min
